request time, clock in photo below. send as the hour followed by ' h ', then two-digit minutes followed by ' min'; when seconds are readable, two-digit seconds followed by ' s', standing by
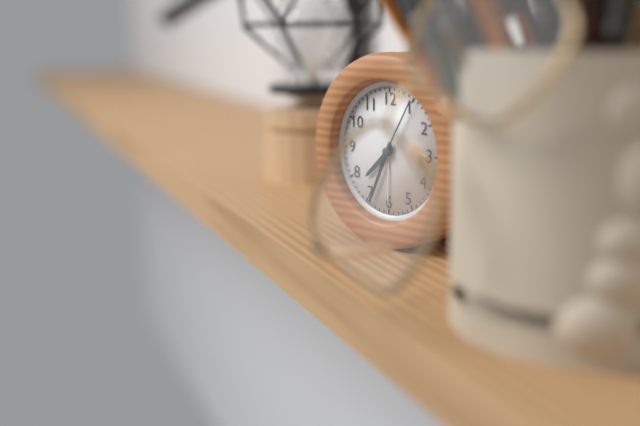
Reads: 7 h 34 min 05 s
